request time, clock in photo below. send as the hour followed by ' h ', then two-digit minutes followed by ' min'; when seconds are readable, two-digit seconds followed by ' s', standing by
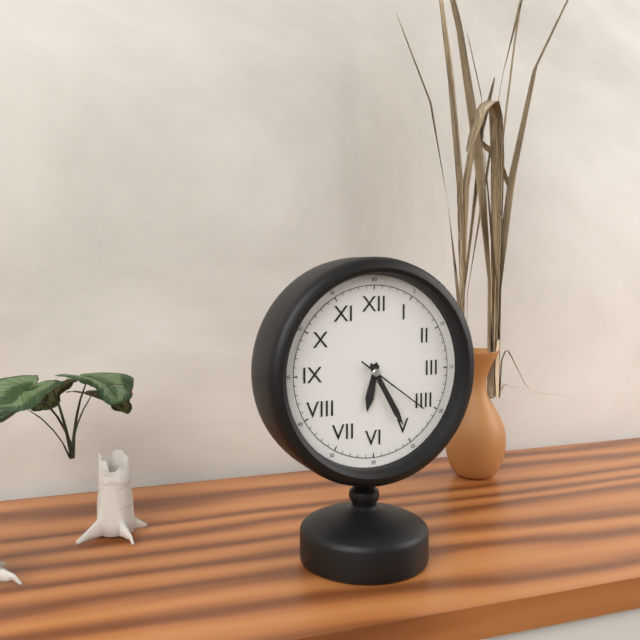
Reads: 6 h 25 min 21 s
